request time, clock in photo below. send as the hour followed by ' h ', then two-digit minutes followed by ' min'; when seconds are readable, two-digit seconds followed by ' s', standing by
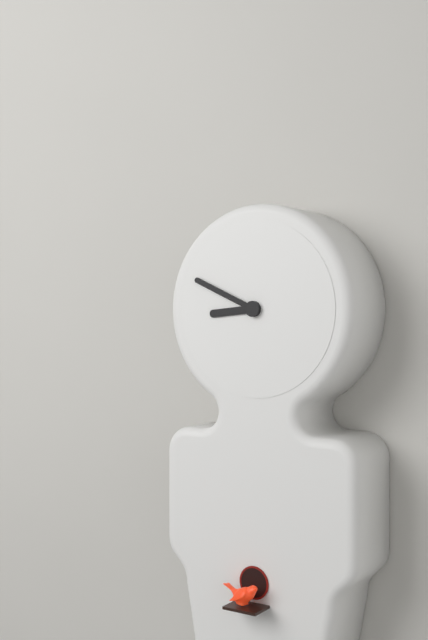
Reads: 8 h 49 min
